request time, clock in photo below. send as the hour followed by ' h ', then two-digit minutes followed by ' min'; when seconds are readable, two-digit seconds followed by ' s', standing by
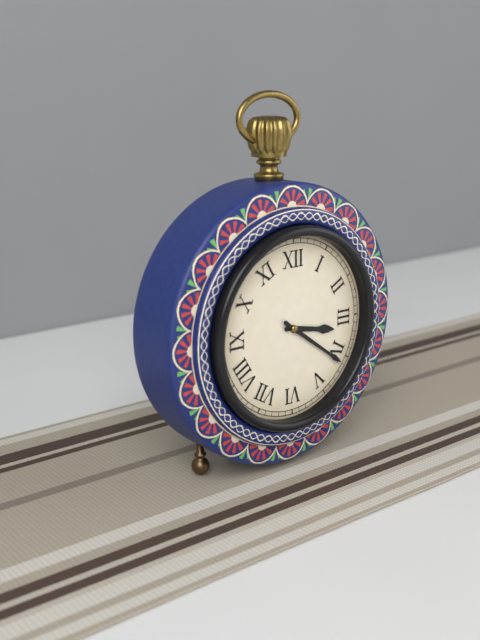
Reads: 3 h 21 min
